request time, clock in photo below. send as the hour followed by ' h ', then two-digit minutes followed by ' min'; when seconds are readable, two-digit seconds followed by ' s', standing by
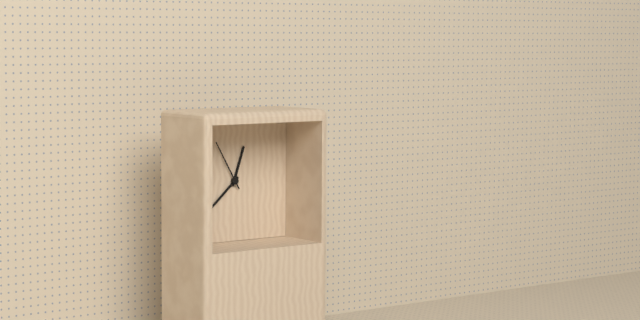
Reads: 12 h 38 min 55 s
